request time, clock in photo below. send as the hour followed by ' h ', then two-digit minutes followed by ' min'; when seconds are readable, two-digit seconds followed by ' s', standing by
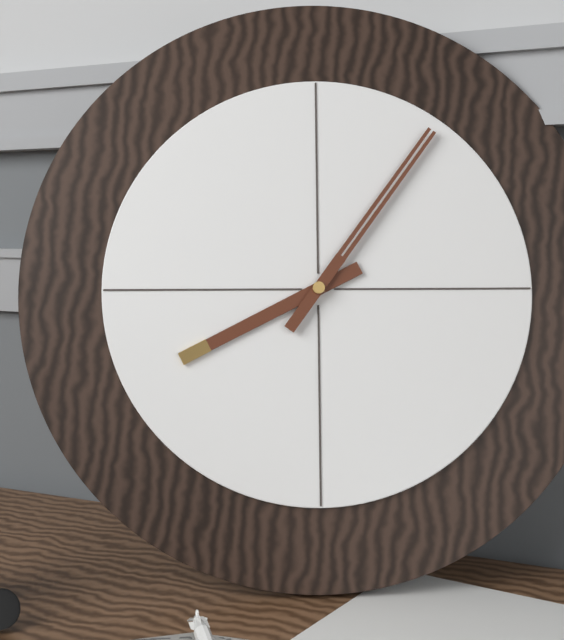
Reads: 8 h 06 min
